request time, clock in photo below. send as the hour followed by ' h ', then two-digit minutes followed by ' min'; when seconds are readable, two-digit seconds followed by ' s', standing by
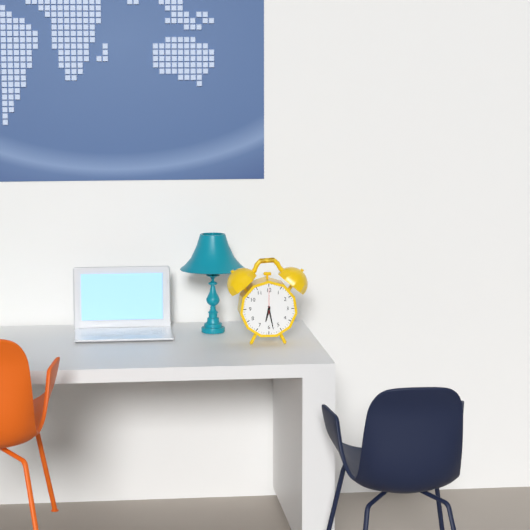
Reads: 6 h 28 min
